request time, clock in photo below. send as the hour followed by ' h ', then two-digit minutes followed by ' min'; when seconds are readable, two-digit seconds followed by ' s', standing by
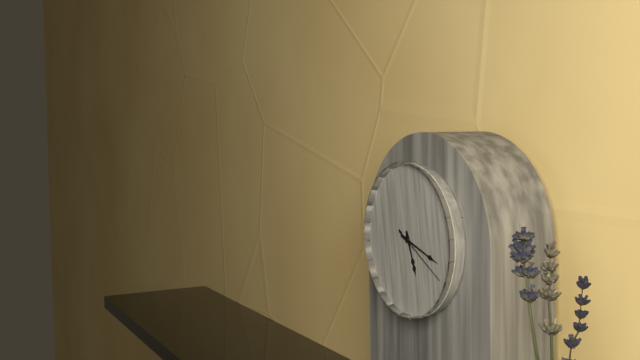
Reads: 5 h 18 min 20 s
